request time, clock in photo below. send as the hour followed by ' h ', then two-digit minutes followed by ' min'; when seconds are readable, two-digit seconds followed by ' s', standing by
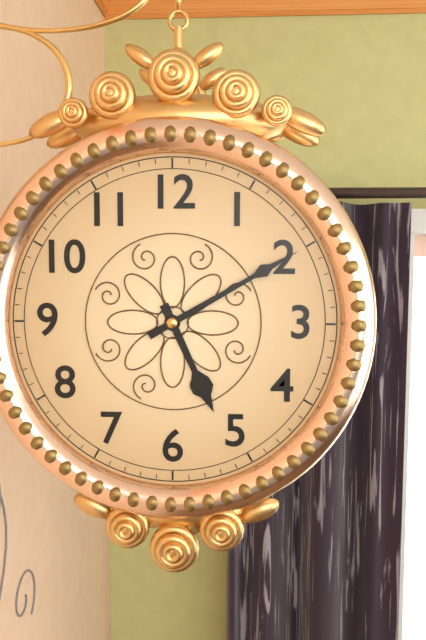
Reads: 5 h 10 min
